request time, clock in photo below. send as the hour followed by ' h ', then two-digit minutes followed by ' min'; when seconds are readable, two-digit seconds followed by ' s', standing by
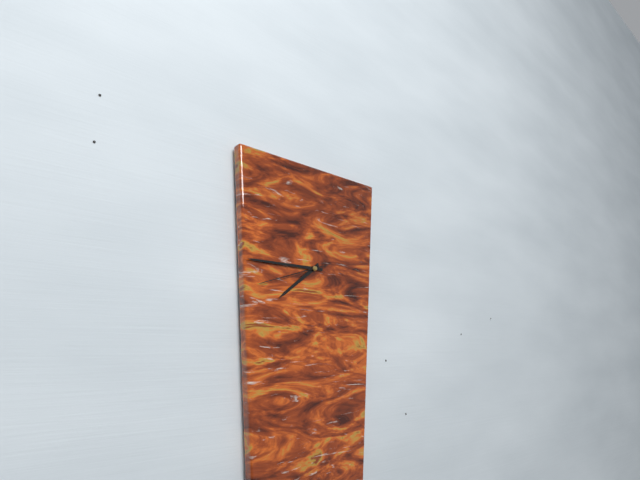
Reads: 7 h 45 min 42 s
